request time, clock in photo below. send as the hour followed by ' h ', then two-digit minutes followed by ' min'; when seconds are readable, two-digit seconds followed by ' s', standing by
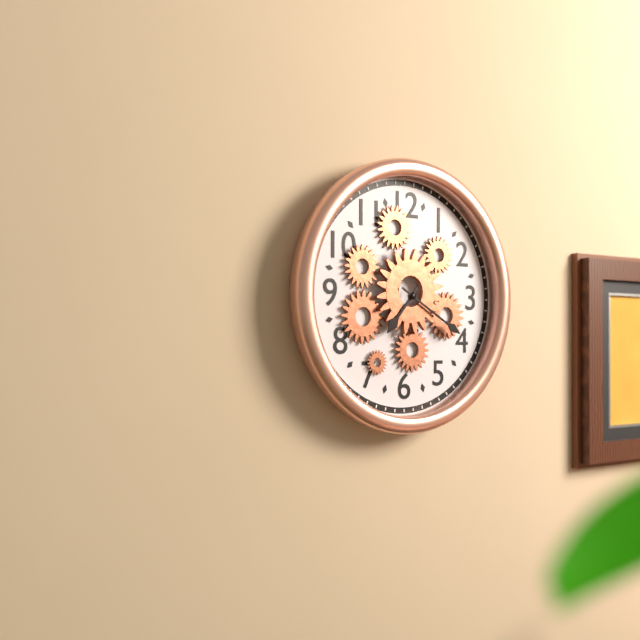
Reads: 7 h 20 min
